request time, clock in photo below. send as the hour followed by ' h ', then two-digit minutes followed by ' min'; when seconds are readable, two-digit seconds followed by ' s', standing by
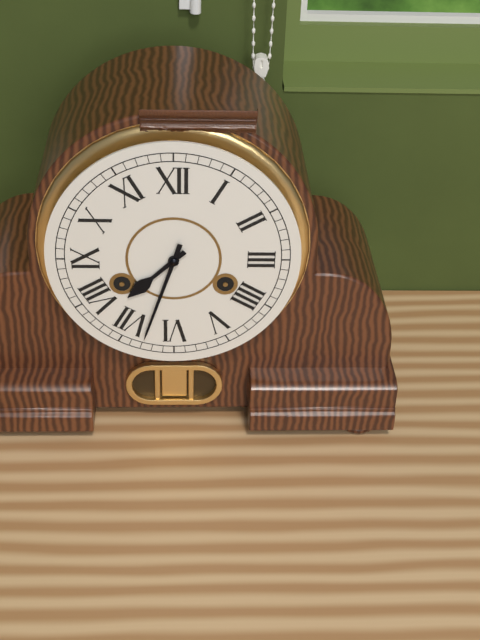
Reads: 7 h 33 min
